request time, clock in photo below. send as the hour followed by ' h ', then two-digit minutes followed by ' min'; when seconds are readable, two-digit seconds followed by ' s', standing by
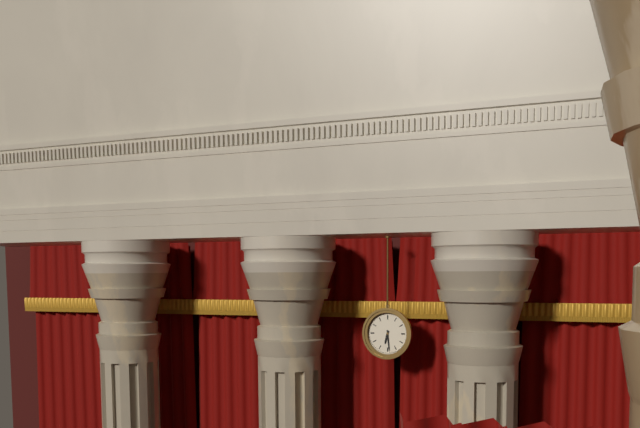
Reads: 6 h 29 min
